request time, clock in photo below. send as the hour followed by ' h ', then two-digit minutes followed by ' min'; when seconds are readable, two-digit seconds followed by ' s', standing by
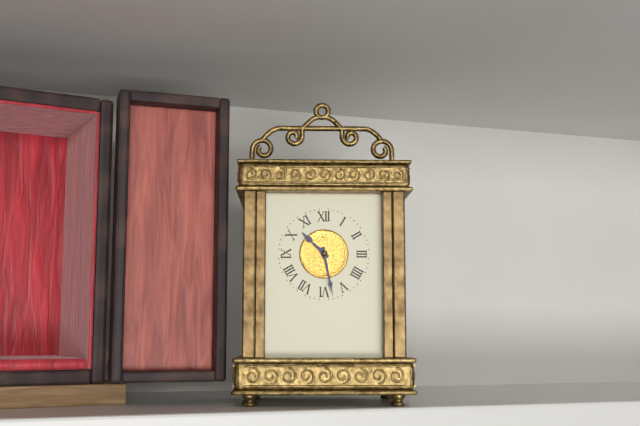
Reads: 10 h 28 min
